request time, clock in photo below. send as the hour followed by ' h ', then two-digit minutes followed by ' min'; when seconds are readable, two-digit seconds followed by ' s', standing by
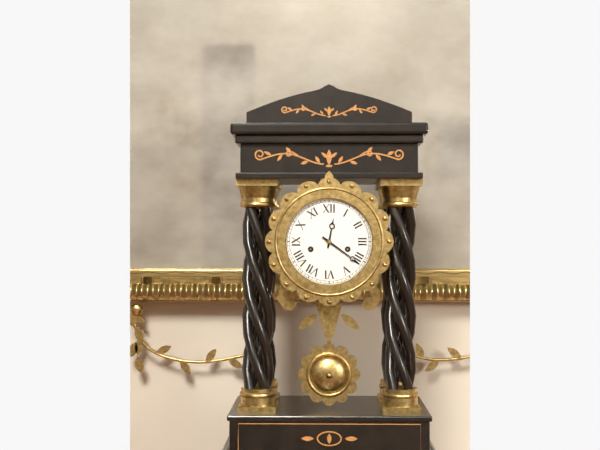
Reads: 12 h 21 min
